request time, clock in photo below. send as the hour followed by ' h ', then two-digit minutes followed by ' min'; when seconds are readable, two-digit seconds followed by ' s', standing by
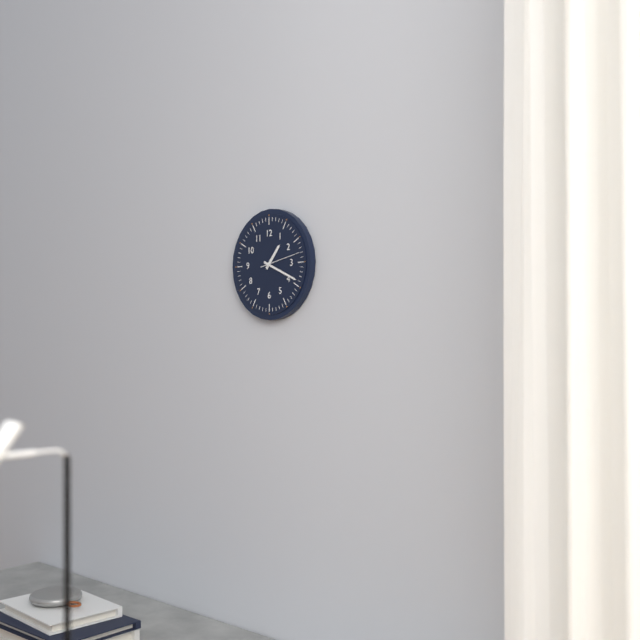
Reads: 1 h 19 min
